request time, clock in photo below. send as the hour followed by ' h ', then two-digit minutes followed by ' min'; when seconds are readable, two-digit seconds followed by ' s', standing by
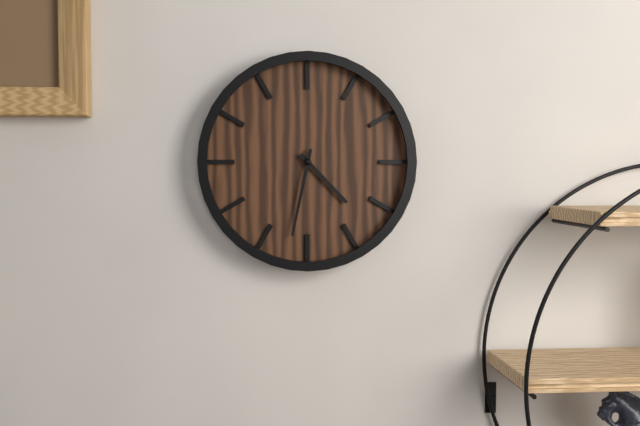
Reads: 4 h 32 min
